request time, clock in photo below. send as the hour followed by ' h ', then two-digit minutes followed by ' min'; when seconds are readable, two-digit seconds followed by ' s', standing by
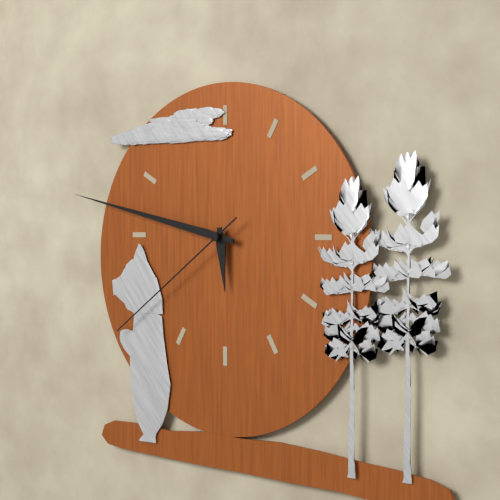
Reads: 5 h 47 min 39 s
